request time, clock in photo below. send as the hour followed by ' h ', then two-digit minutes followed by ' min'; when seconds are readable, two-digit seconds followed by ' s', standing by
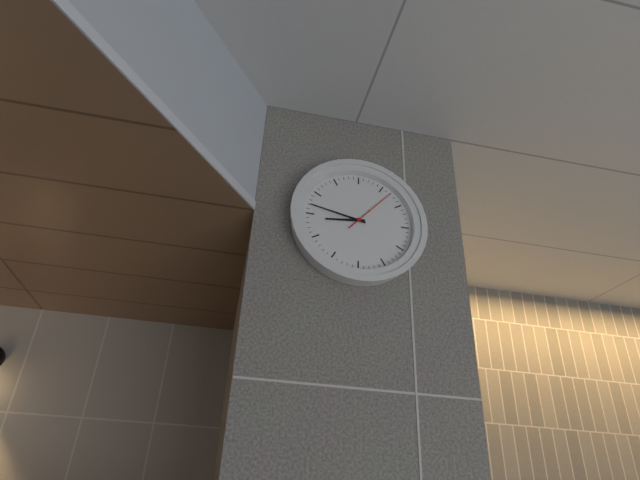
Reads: 8 h 47 min 07 s
